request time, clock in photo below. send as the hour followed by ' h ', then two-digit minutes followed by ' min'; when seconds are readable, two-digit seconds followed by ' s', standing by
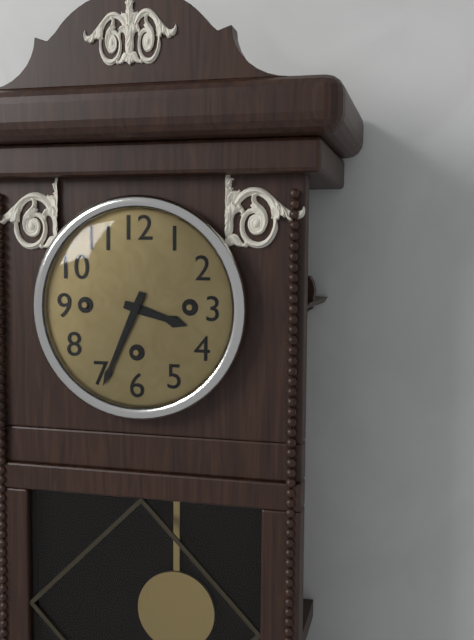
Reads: 3 h 34 min
